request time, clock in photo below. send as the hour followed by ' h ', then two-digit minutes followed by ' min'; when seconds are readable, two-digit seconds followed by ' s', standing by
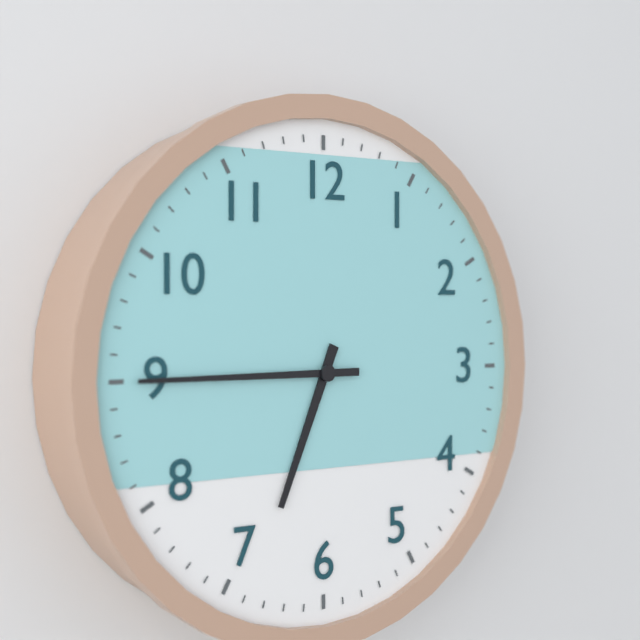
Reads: 6 h 45 min
